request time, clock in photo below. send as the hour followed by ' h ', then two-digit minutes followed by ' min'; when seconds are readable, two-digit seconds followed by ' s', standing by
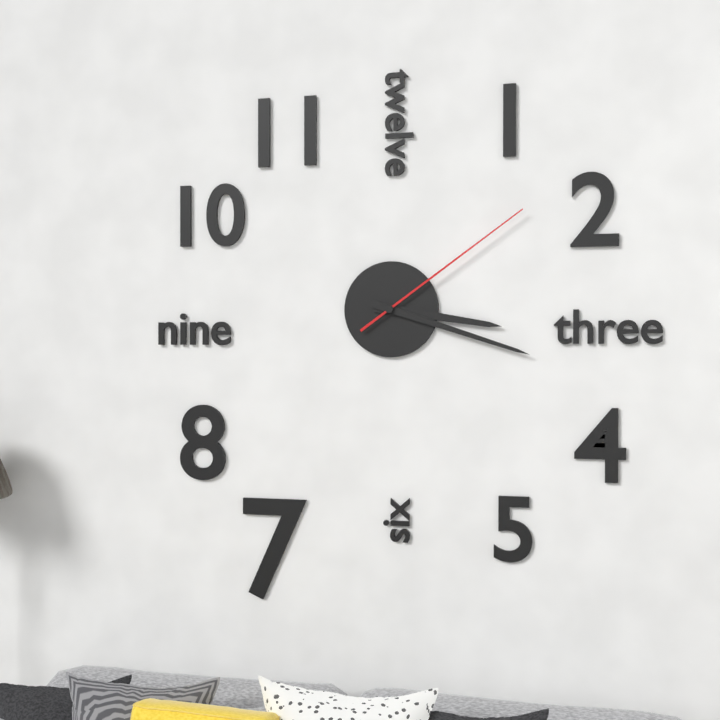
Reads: 3 h 18 min 09 s
